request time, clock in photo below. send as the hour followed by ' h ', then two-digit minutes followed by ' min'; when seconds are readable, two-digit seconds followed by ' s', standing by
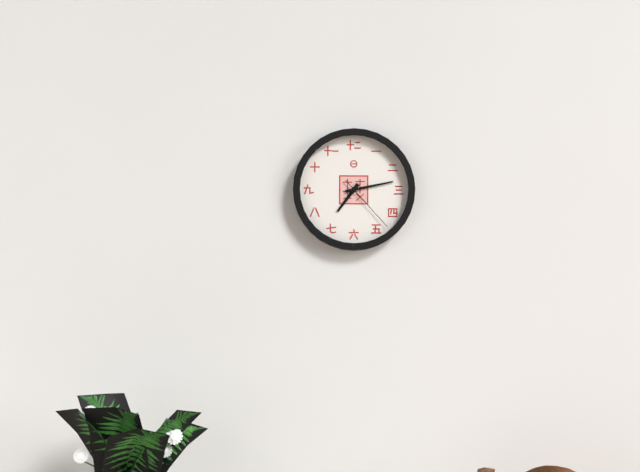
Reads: 7 h 13 min 23 s
